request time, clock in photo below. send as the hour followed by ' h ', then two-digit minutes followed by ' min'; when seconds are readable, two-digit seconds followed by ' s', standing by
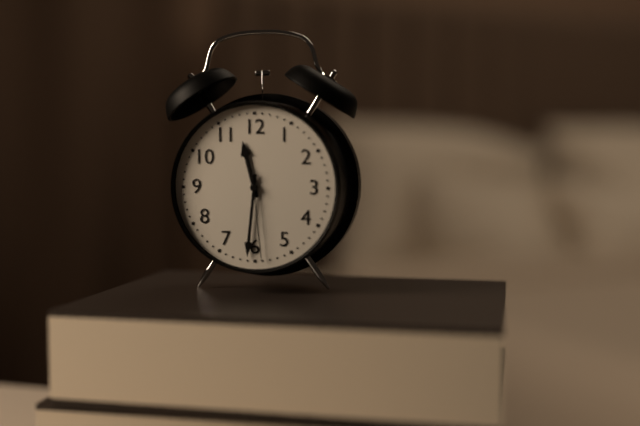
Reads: 11 h 31 min 29 s
